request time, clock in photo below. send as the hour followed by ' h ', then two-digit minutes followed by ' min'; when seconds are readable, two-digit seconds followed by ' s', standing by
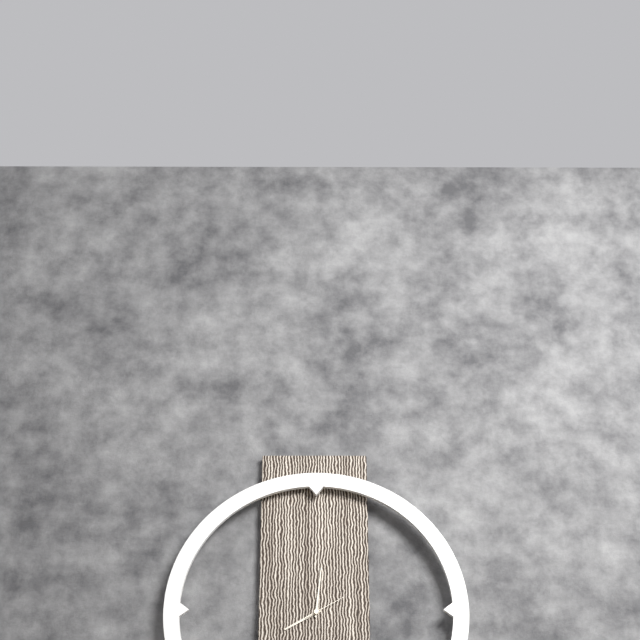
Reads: 8 h 01 min
